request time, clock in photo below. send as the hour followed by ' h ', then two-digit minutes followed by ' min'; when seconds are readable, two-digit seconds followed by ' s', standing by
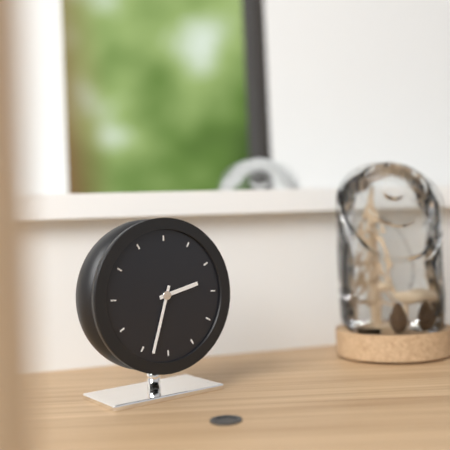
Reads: 2 h 33 min
